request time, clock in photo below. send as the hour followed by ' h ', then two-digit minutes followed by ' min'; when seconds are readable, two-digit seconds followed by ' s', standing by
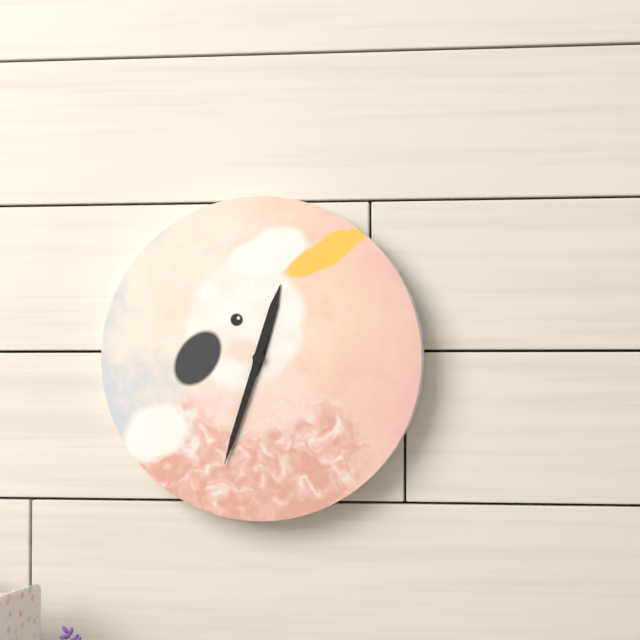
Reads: 12 h 33 min
